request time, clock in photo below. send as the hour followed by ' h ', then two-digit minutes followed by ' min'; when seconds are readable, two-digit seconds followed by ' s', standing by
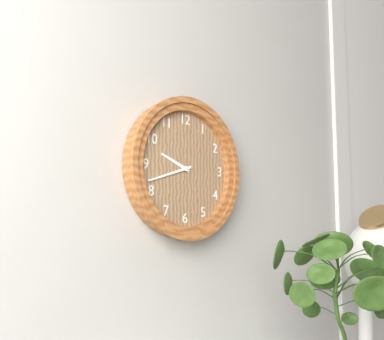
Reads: 9 h 42 min
